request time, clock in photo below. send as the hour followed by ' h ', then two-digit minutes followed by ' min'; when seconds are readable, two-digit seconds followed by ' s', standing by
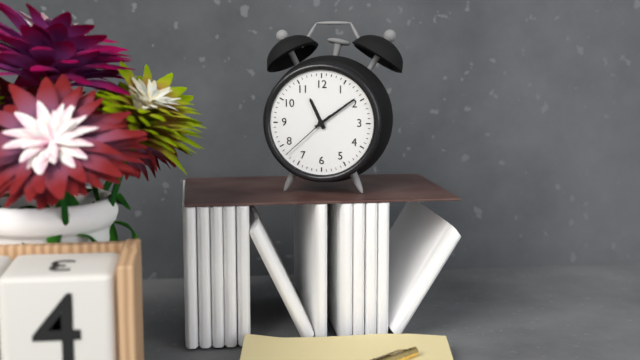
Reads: 11 h 09 min 38 s
